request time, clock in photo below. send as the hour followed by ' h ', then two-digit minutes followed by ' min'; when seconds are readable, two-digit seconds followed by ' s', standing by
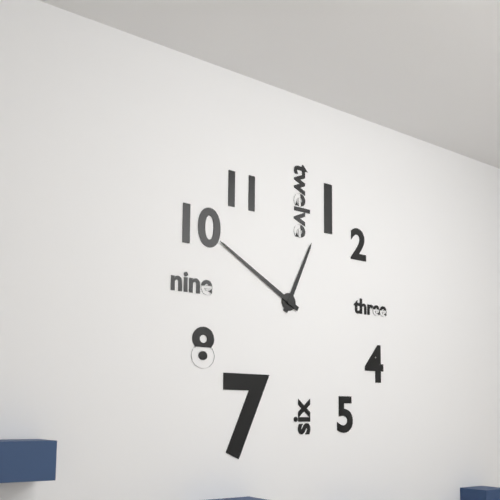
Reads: 12 h 50 min
